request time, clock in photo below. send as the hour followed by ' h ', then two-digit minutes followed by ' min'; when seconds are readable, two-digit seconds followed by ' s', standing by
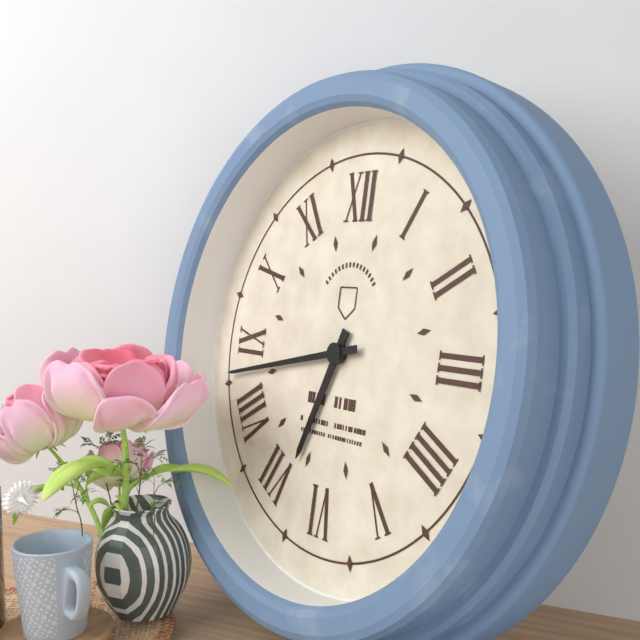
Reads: 6 h 43 min
